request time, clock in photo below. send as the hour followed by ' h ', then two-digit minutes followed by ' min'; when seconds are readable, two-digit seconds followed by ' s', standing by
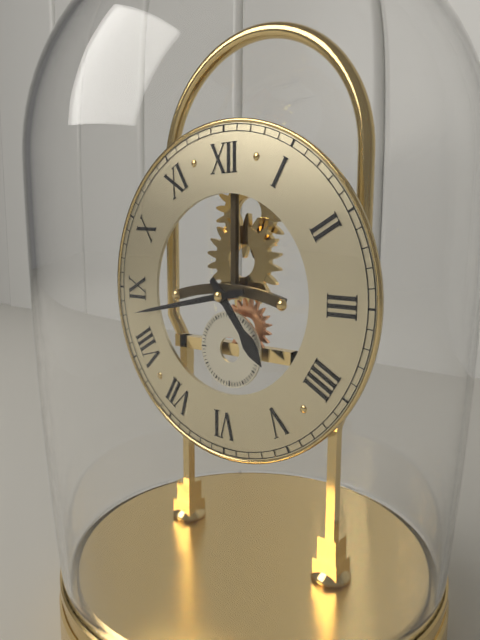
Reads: 4 h 43 min
